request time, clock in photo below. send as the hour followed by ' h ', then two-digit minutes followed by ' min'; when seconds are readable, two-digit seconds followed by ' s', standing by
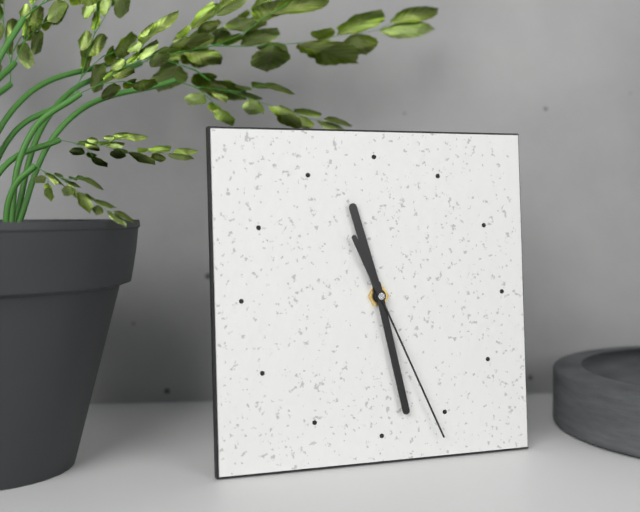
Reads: 11 h 28 min 26 s
